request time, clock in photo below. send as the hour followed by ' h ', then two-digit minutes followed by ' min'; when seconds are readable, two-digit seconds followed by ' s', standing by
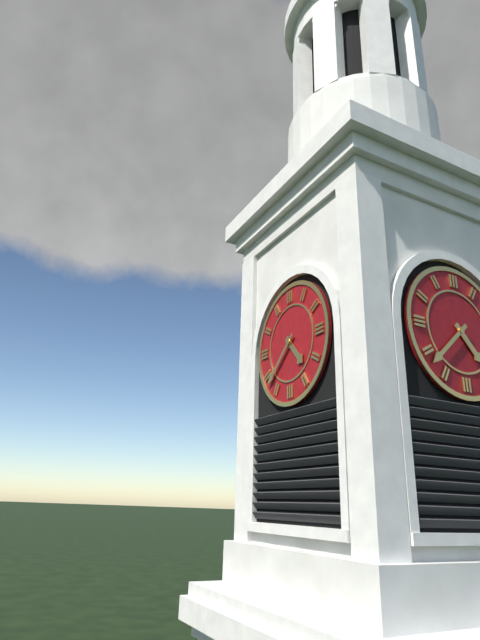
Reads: 4 h 38 min
